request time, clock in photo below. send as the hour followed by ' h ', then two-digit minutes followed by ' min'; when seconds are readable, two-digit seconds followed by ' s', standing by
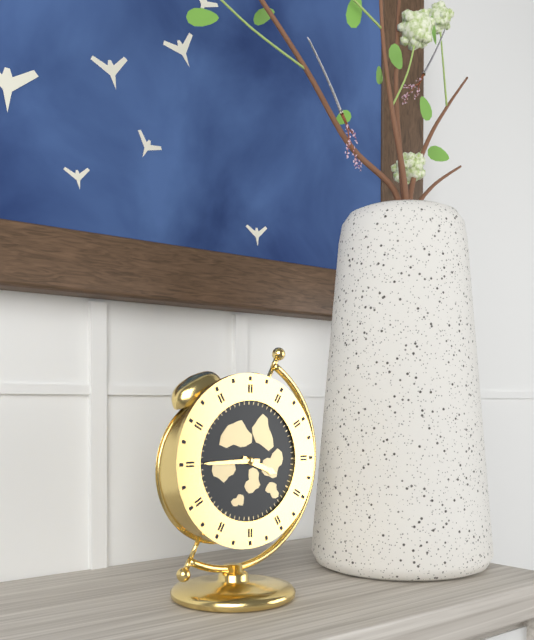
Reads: 3 h 45 min
